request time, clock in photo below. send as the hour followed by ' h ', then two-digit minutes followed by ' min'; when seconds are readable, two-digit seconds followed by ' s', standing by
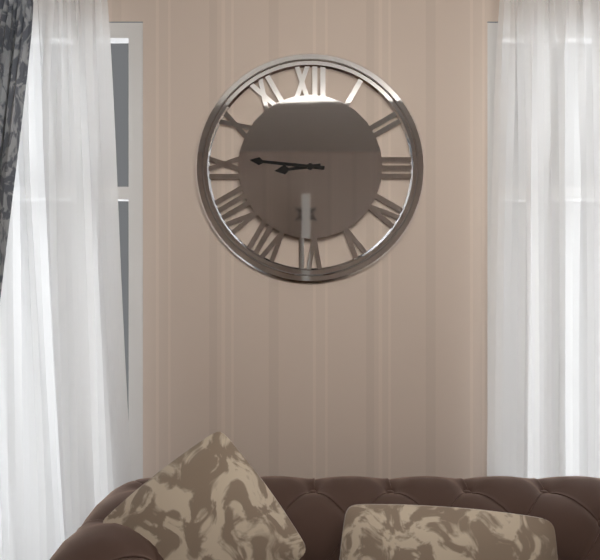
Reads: 8 h 46 min
